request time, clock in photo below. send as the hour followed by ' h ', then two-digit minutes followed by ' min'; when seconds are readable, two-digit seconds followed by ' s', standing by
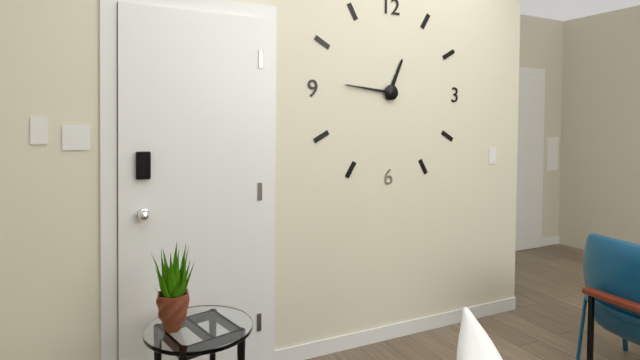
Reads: 12 h 46 min
